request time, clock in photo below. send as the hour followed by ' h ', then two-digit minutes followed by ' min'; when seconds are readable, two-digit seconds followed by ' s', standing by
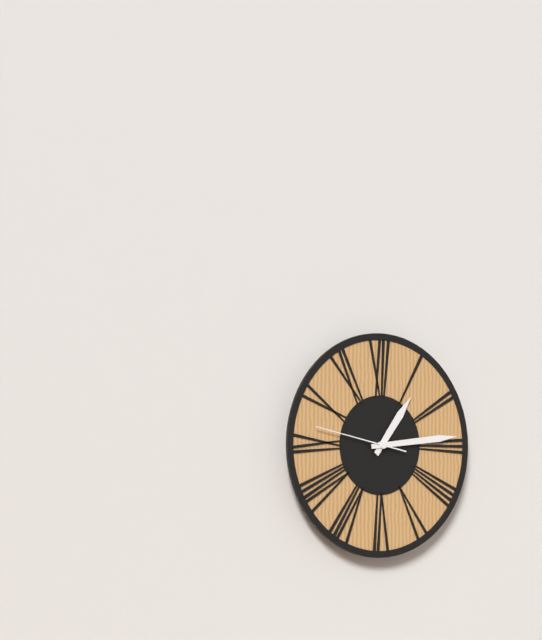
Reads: 1 h 14 min 47 s
